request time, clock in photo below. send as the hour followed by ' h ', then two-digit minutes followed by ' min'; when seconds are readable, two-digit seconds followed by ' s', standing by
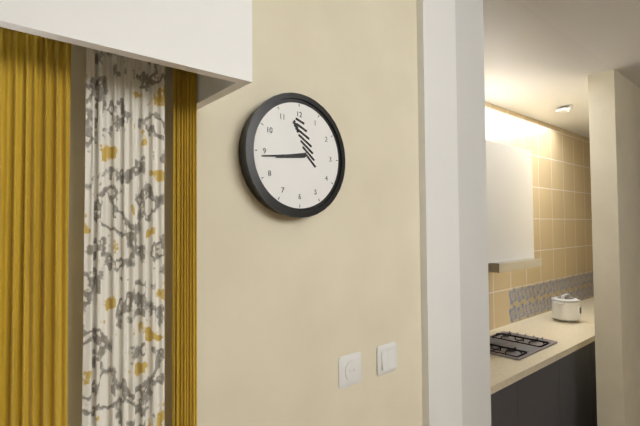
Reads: 8 h 44 min
